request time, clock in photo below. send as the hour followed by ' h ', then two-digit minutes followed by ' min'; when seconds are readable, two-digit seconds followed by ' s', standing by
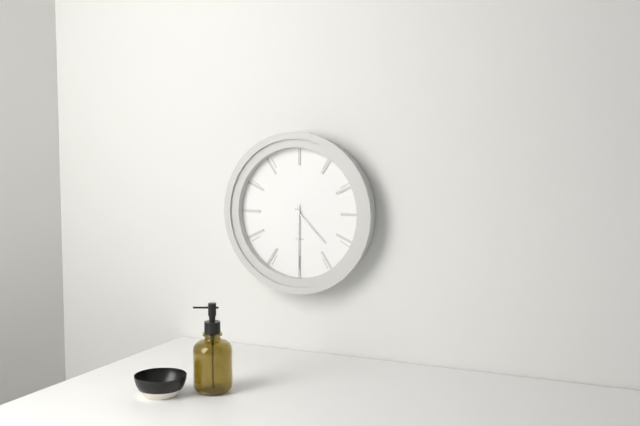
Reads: 4 h 30 min
